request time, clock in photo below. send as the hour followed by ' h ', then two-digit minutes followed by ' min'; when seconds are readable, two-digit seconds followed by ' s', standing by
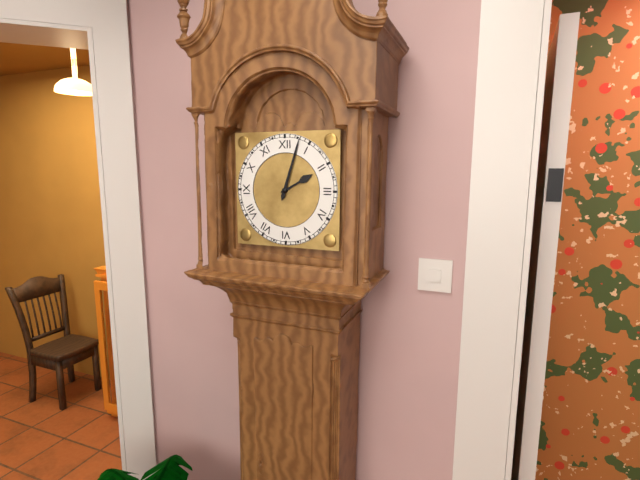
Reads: 2 h 03 min
